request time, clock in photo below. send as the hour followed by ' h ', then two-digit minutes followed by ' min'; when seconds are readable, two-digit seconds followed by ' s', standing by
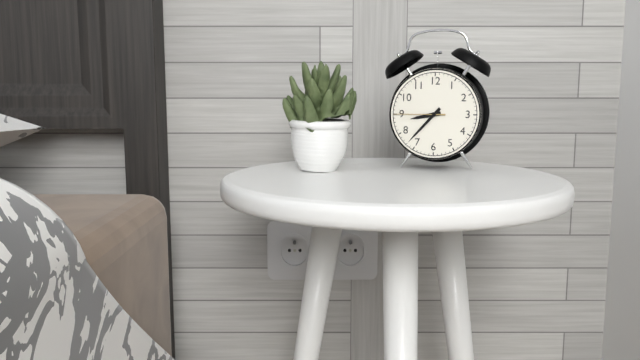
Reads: 8 h 37 min 45 s
